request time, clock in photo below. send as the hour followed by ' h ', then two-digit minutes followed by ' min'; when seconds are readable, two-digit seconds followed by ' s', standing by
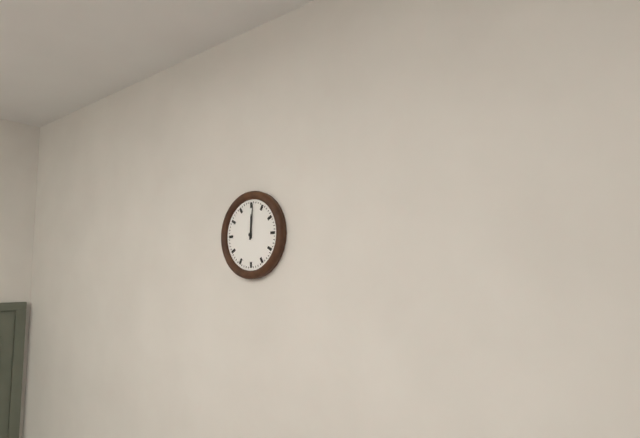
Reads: 12 h 01 min
